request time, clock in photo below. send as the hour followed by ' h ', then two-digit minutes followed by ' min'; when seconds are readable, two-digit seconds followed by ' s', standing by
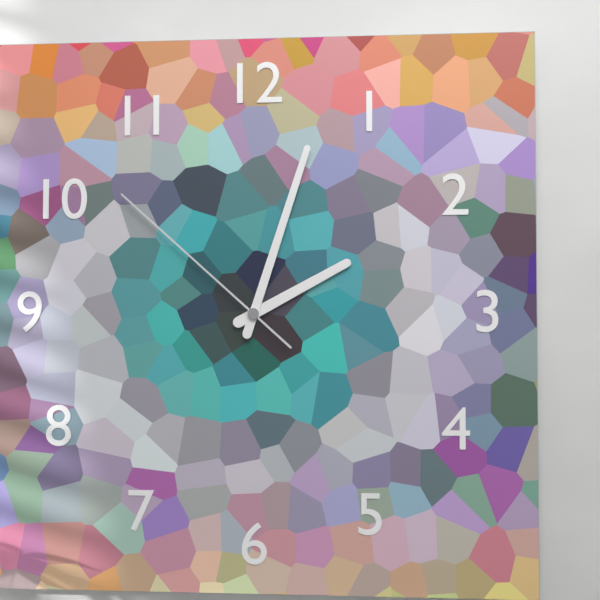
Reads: 2 h 03 min 52 s
